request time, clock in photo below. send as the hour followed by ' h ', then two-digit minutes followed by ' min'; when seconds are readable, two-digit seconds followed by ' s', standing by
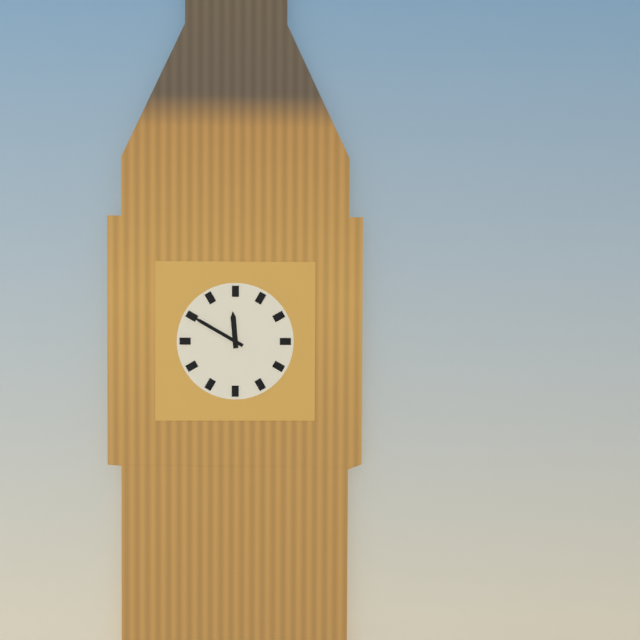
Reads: 11 h 50 min
